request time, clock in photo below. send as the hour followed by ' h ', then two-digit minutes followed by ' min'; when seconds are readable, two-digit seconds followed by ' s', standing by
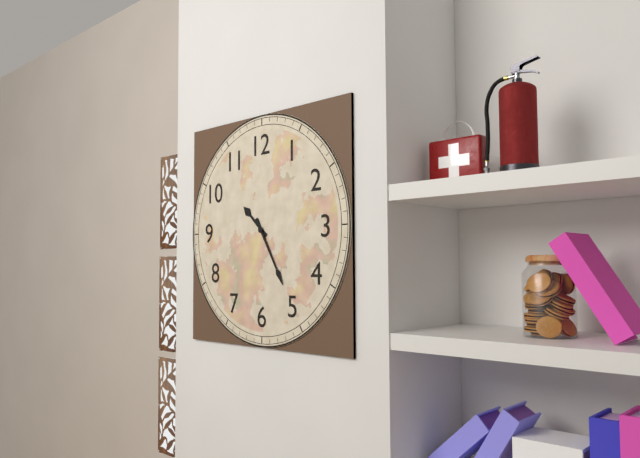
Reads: 10 h 25 min
